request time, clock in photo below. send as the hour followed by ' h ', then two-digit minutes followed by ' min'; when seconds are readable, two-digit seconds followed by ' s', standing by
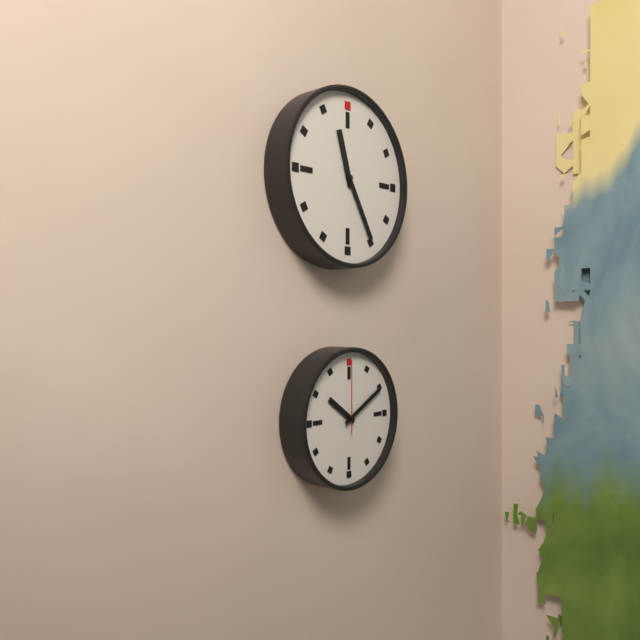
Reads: 11 h 25 min
